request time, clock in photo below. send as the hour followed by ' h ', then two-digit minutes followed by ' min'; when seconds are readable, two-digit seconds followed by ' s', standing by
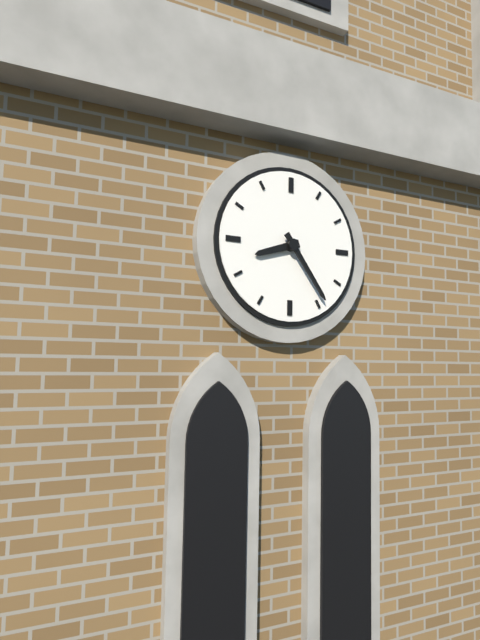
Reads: 8 h 24 min
